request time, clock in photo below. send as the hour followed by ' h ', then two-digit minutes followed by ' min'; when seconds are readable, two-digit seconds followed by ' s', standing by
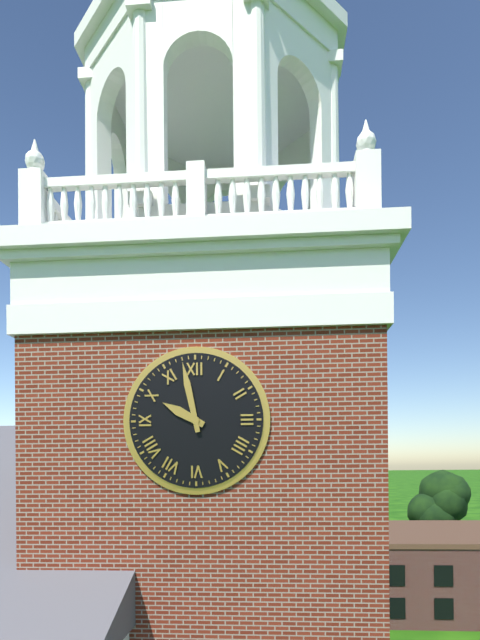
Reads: 9 h 58 min
